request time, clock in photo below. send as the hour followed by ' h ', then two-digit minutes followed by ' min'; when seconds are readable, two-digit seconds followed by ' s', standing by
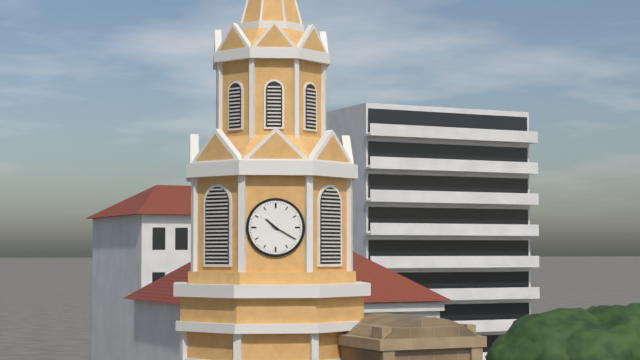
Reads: 10 h 20 min
